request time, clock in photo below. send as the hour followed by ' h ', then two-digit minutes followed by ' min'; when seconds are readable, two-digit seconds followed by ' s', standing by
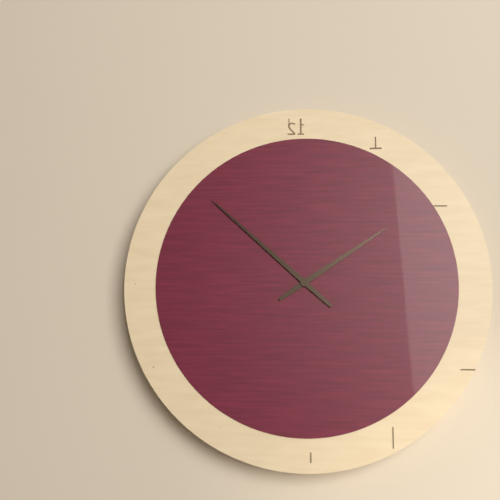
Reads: 1 h 52 min
